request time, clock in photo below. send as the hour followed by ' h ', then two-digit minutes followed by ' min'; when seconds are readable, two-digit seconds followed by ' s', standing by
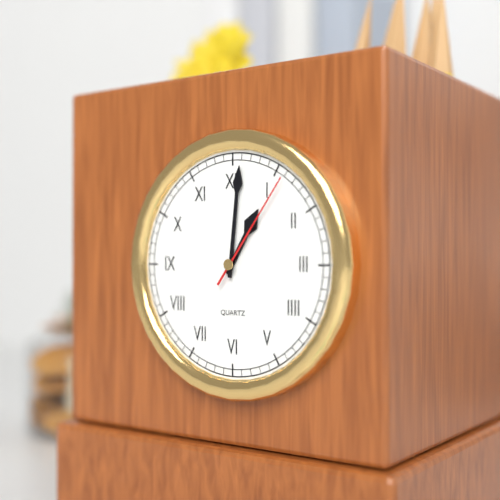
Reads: 1 h 01 min 06 s
